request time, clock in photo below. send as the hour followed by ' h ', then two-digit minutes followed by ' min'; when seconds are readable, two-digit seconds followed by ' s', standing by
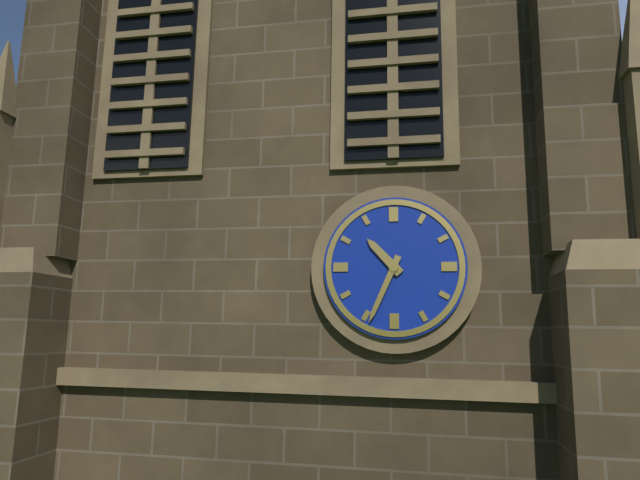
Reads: 10 h 34 min
